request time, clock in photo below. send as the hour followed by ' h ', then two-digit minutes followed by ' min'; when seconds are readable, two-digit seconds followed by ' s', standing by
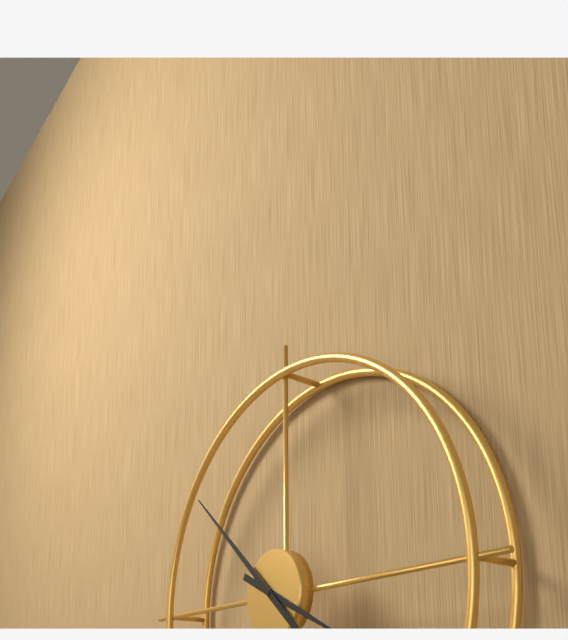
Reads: 3 h 52 min
